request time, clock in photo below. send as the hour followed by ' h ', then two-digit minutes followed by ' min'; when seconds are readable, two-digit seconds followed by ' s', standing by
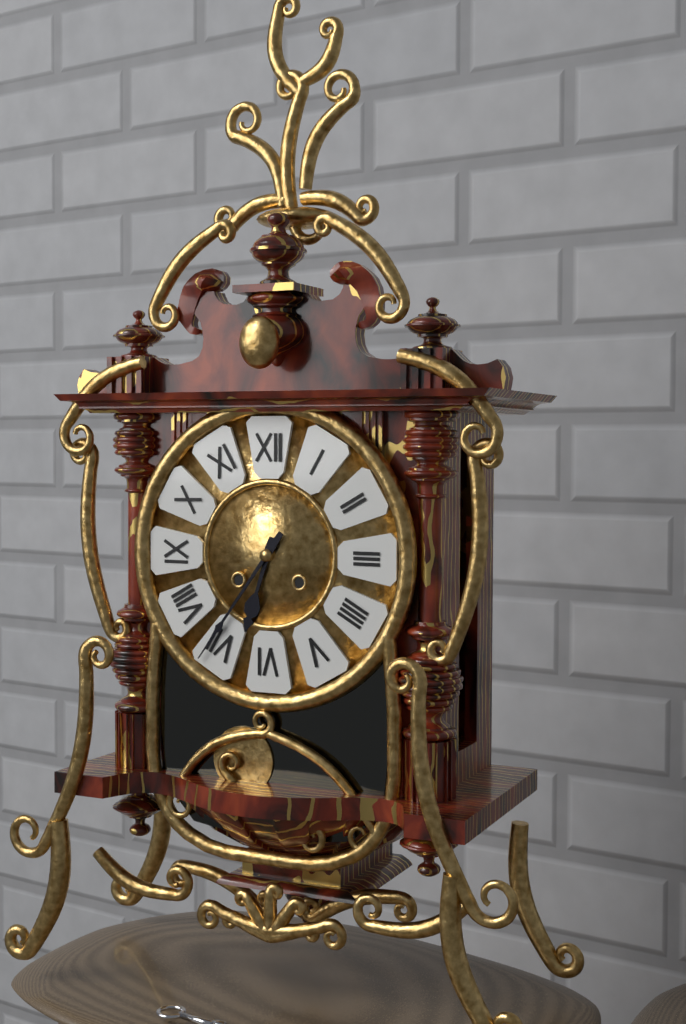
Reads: 6 h 36 min
